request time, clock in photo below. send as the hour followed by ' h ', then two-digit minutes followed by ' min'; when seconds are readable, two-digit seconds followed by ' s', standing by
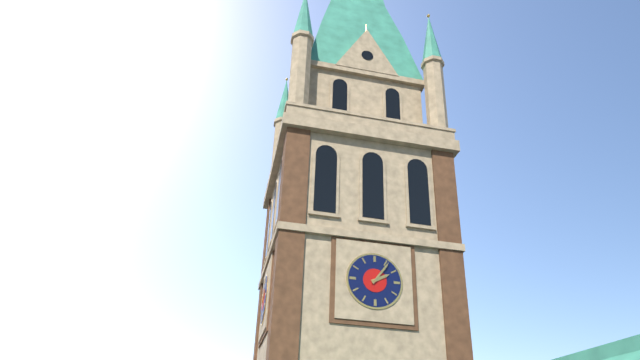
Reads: 2 h 06 min
